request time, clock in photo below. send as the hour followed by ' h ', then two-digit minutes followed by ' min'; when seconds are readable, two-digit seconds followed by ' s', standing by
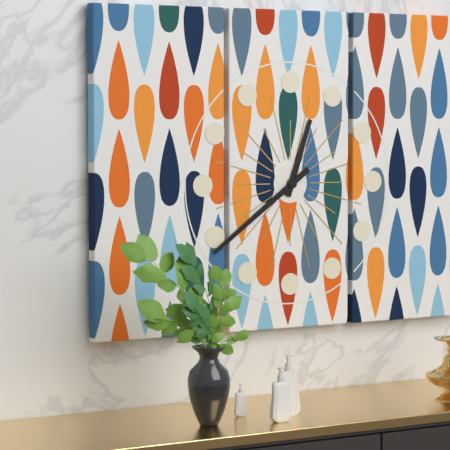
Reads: 12 h 39 min
